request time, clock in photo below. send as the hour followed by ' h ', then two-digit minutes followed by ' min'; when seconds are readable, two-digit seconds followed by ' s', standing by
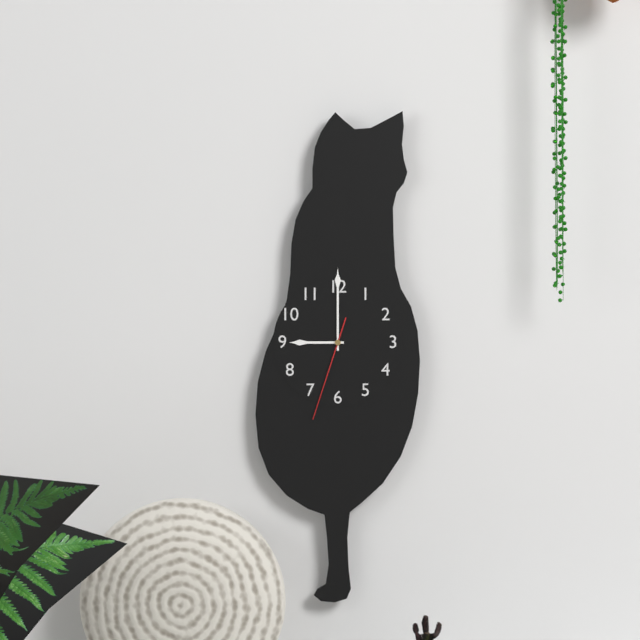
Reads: 9 h 00 min 33 s
